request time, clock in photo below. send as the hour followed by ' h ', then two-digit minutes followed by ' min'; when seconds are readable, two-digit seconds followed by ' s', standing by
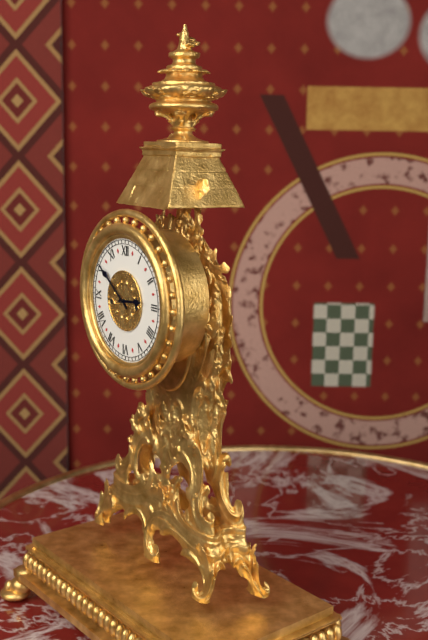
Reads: 2 h 51 min
